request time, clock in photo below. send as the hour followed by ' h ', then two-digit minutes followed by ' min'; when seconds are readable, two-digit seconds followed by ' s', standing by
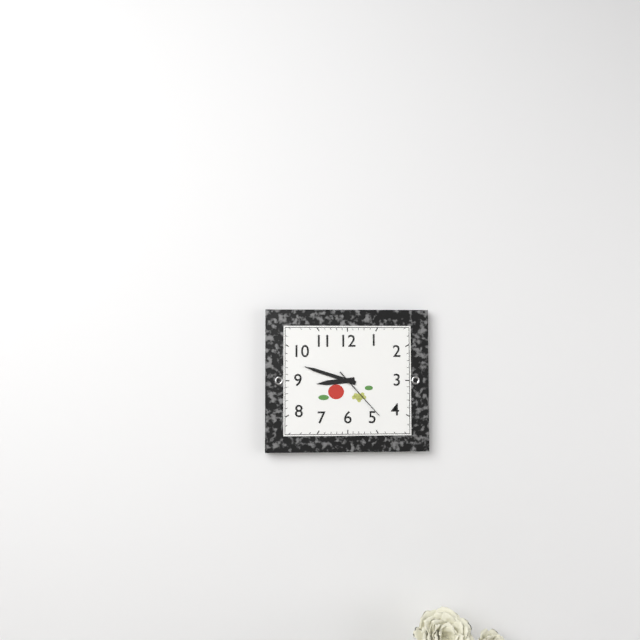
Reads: 8 h 48 min 23 s
